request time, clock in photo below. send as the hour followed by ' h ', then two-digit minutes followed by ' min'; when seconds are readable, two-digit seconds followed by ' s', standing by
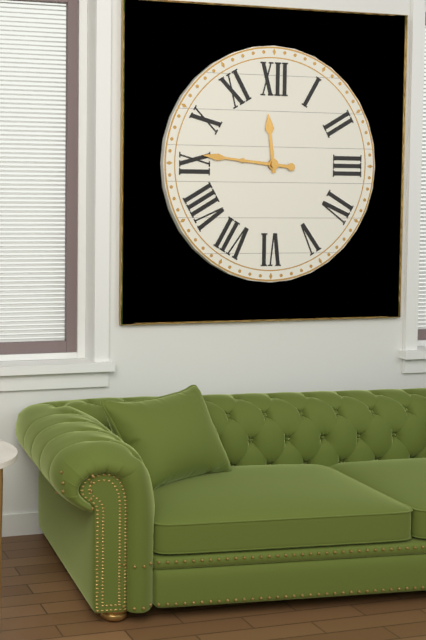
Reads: 11 h 46 min
